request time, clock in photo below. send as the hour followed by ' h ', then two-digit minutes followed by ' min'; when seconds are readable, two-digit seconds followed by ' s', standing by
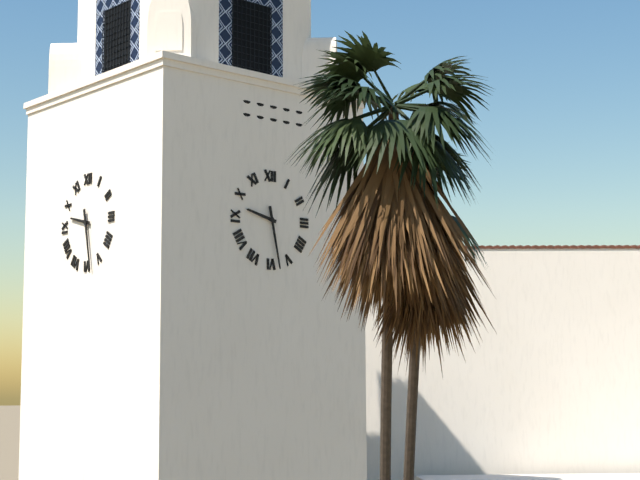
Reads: 9 h 28 min
